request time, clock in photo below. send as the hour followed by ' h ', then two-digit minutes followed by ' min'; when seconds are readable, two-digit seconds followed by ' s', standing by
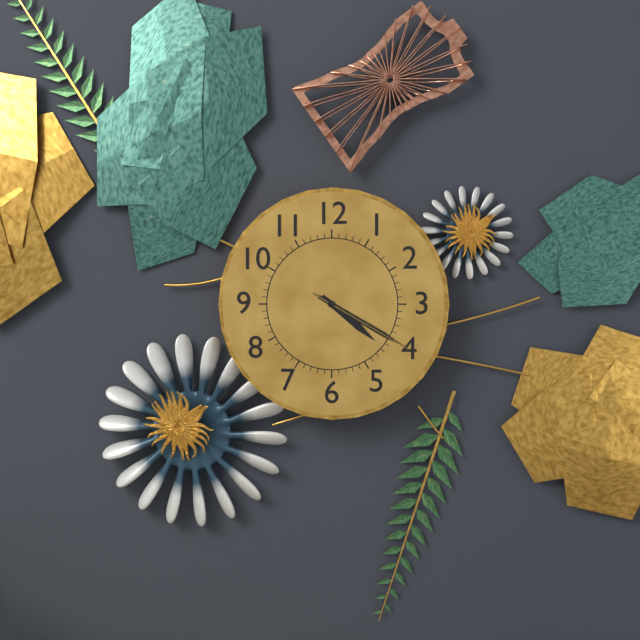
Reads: 4 h 20 min 20 s
